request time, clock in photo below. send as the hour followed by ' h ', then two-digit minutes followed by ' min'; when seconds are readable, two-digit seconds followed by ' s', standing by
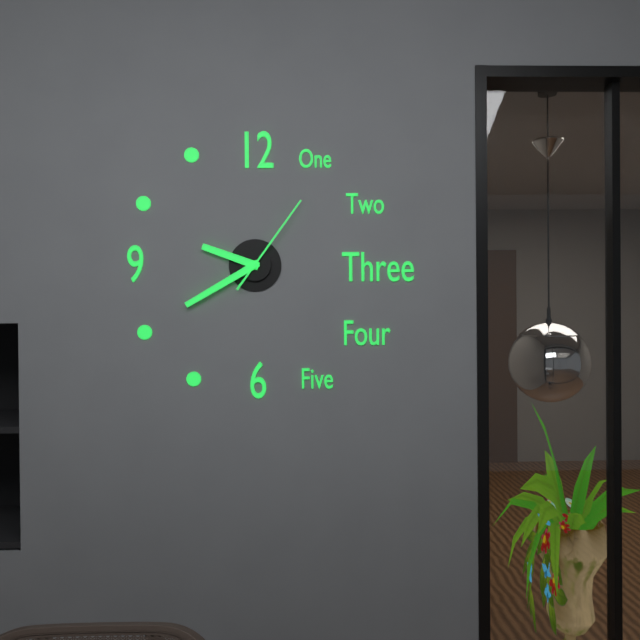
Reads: 9 h 40 min 06 s
